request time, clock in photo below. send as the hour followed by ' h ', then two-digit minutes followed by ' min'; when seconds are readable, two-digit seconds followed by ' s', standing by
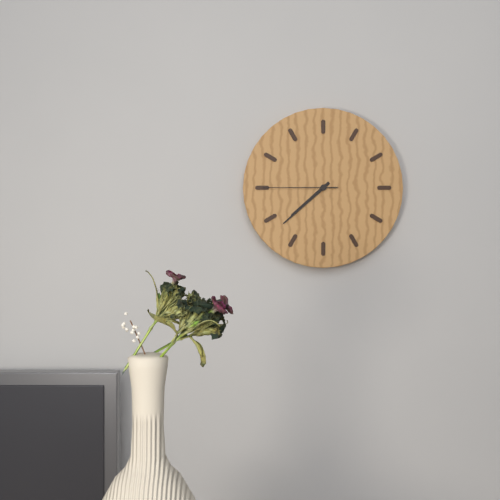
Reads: 7 h 38 min 45 s
